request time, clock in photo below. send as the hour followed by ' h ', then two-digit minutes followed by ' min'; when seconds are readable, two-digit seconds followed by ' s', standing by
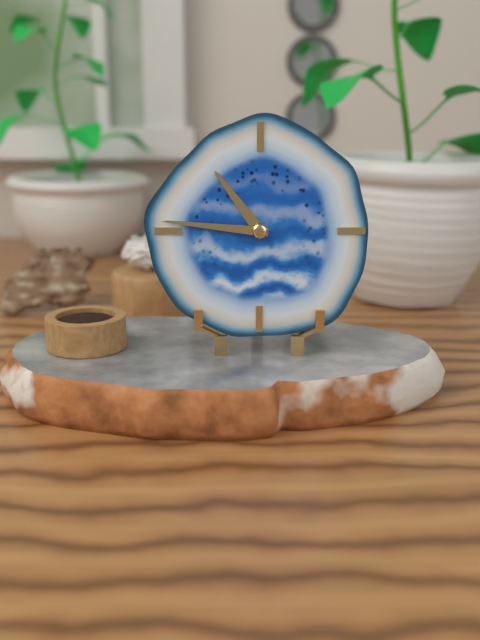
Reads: 10 h 46 min
